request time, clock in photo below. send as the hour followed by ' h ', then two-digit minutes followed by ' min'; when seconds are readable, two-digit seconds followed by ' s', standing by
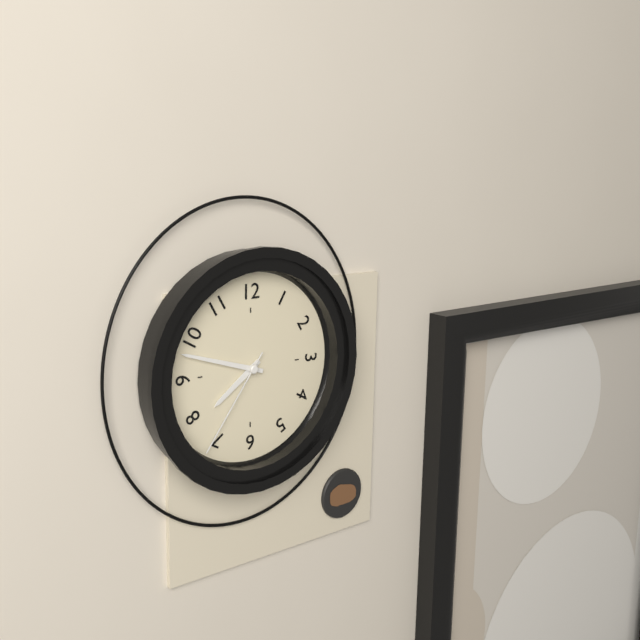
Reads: 7 h 48 min 36 s
